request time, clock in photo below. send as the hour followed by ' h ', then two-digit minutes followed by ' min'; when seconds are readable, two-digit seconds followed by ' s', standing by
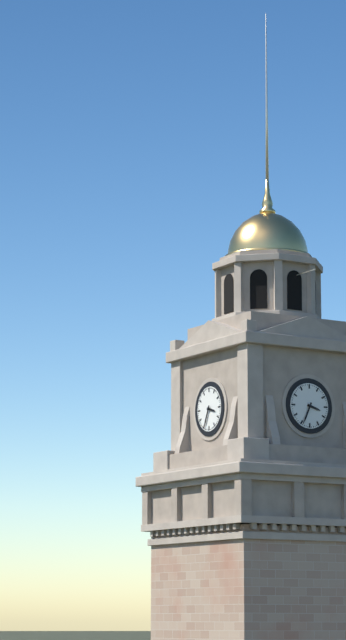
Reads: 3 h 34 min
